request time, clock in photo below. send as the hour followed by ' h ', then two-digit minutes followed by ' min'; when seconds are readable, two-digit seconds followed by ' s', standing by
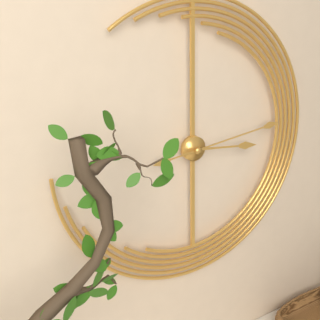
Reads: 3 h 14 min
